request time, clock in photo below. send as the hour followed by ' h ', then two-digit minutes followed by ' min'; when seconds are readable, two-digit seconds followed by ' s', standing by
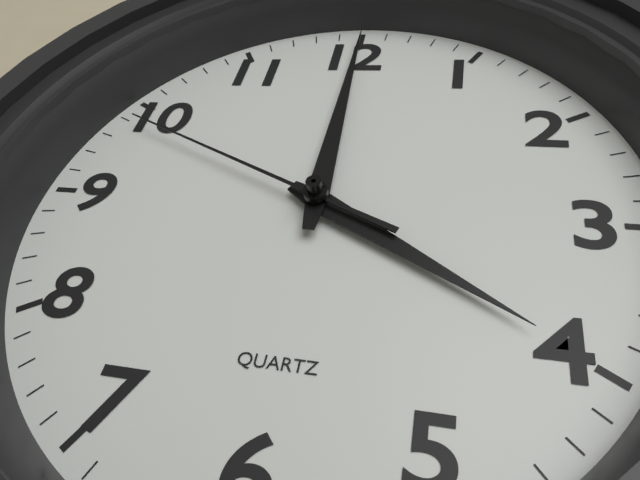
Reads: 4 h 00 min 49 s
